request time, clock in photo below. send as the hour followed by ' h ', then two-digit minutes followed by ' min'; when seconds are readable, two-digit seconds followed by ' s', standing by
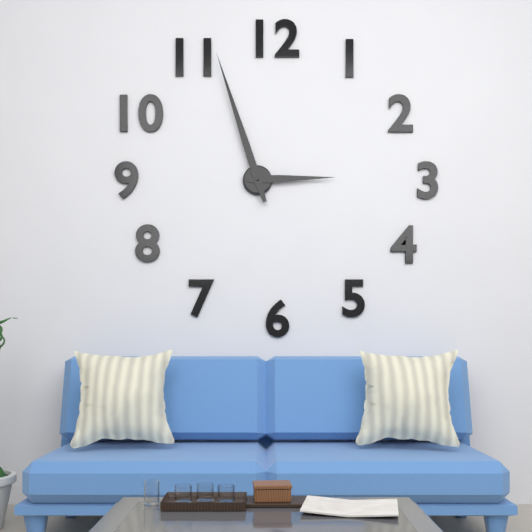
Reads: 2 h 57 min
